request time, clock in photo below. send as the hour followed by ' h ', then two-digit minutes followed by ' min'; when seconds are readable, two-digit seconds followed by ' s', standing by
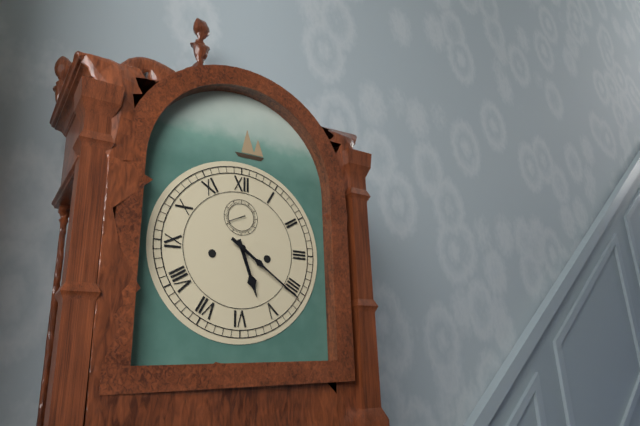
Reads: 5 h 21 min
